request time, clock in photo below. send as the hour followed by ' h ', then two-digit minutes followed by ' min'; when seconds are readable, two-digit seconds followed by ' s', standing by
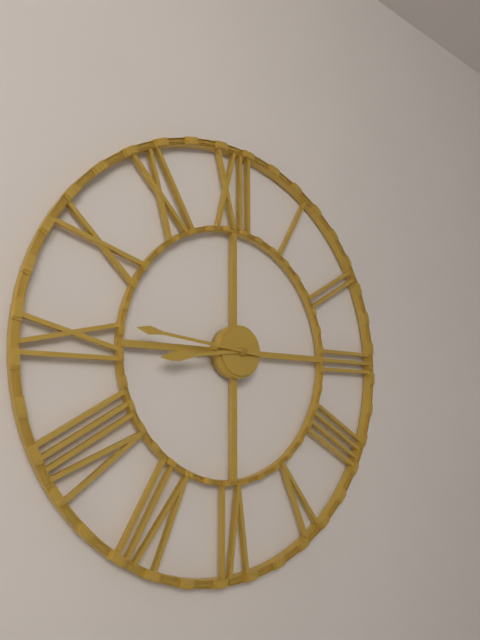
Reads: 8 h 46 min
